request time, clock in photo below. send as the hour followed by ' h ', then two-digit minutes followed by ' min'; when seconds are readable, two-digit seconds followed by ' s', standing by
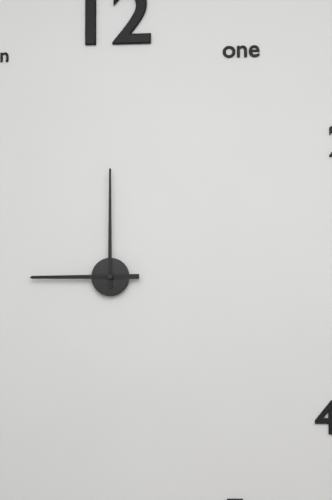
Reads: 9 h 00 min
